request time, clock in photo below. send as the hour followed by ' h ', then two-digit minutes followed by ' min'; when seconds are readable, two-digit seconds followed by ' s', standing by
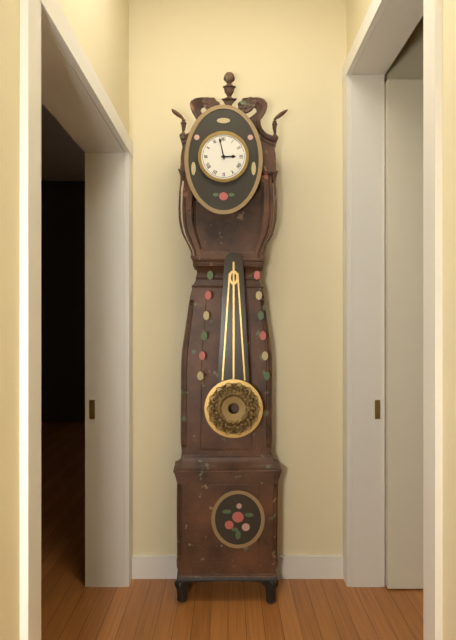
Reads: 2 h 58 min
